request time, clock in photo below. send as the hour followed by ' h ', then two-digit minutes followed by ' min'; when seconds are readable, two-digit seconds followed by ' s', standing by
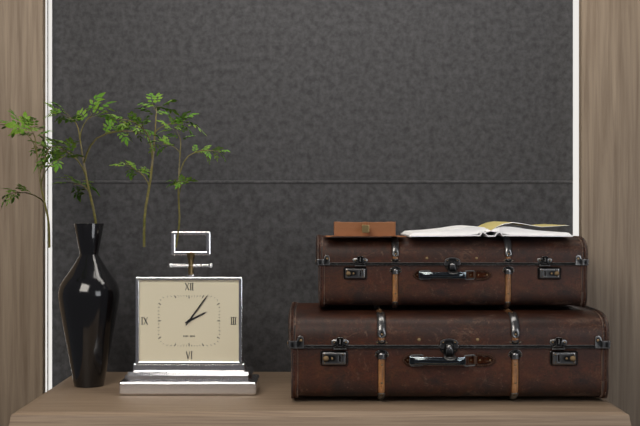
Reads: 2 h 06 min
